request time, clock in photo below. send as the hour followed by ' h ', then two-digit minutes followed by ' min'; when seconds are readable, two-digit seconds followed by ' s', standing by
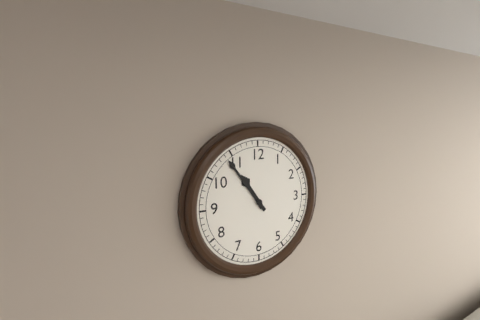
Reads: 10 h 54 min
